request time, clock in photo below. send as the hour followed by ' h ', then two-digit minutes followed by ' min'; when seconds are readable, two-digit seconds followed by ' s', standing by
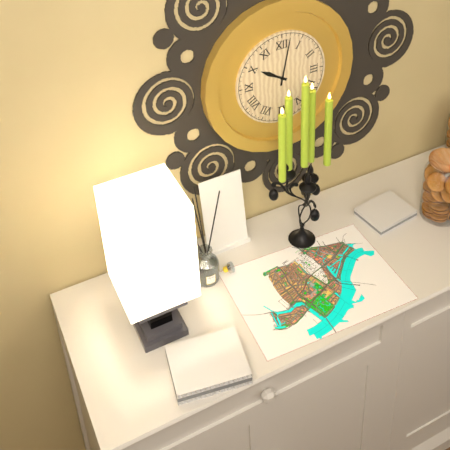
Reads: 10 h 02 min
